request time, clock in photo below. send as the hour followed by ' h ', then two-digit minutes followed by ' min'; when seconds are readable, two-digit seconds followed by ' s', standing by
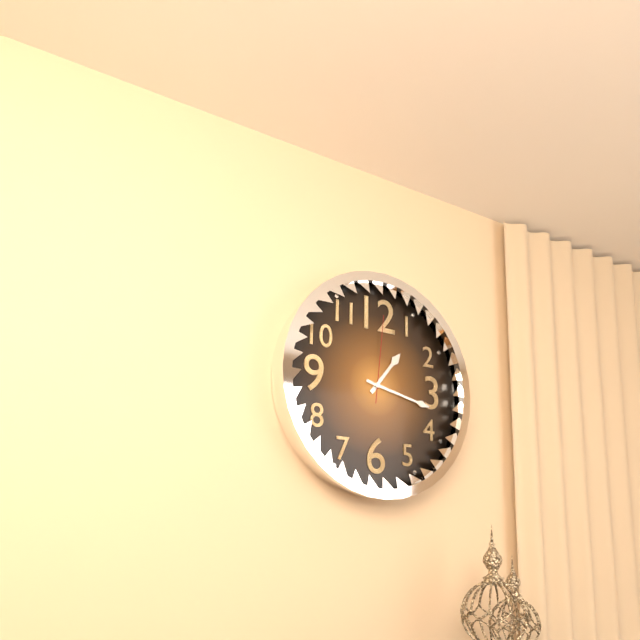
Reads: 1 h 17 min 01 s
